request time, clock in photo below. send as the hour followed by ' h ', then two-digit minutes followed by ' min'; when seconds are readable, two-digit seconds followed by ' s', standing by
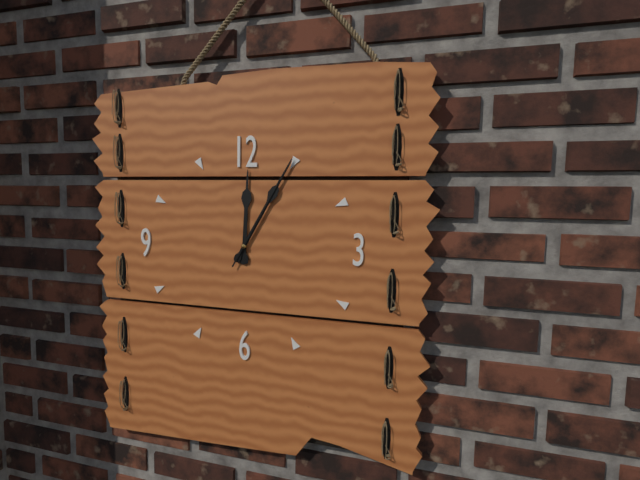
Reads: 12 h 05 min 05 s
